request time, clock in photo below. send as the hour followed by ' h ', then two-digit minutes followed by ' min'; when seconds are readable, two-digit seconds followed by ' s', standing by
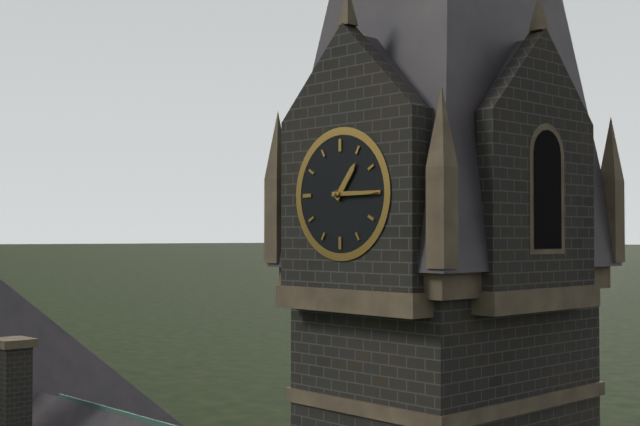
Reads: 1 h 15 min
